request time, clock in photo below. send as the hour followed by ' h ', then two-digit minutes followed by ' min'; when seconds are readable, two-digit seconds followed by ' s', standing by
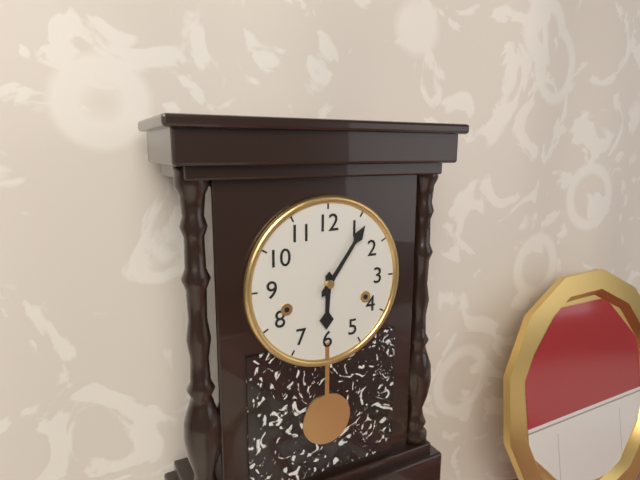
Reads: 6 h 06 min
